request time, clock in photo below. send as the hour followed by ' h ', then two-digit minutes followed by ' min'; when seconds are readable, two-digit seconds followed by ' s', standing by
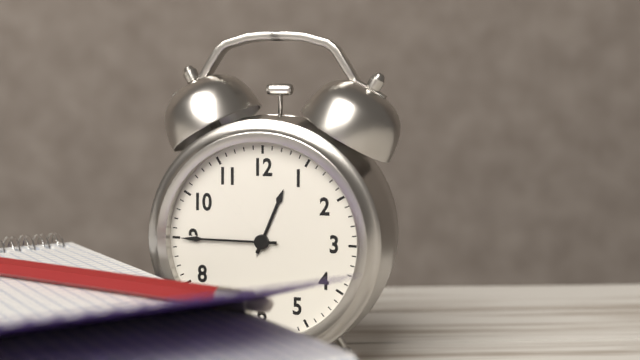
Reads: 12 h 45 min
